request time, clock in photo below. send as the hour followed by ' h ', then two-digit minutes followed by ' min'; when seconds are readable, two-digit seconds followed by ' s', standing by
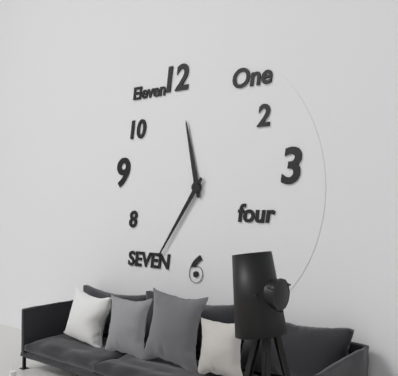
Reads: 11 h 36 min
